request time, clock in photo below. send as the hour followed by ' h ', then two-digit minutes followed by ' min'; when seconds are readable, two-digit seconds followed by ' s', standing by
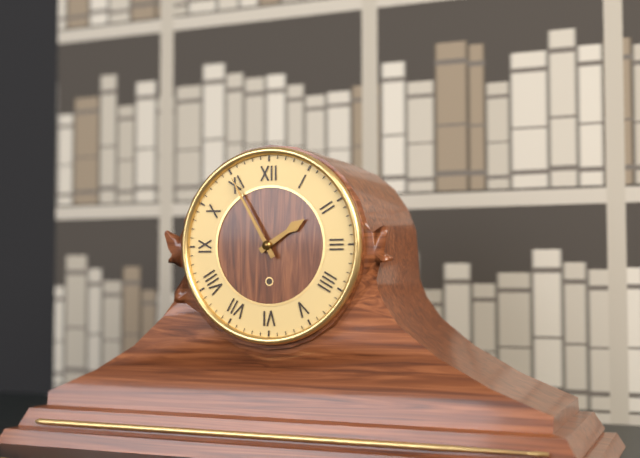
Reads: 1 h 55 min
